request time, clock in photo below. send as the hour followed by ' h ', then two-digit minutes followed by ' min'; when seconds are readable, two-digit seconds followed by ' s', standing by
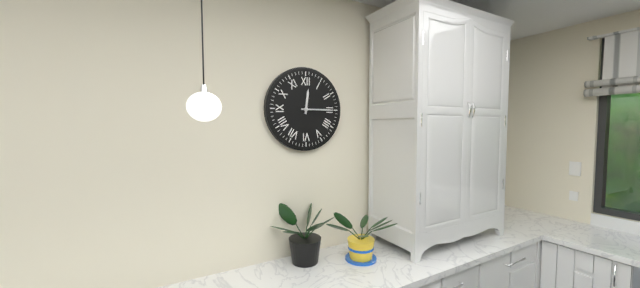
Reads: 12 h 15 min
